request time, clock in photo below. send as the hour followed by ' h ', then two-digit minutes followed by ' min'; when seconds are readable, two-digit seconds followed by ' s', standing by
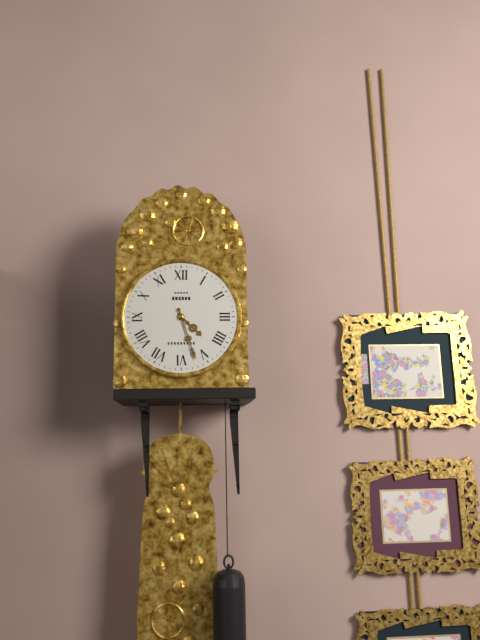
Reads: 4 h 27 min
